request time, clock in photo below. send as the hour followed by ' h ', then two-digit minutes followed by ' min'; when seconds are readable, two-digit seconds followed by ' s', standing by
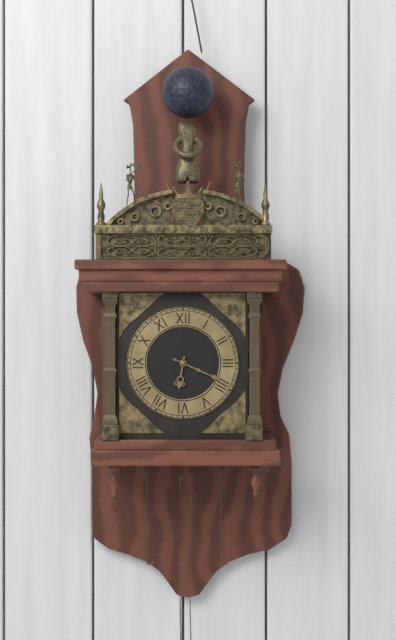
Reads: 6 h 19 min
